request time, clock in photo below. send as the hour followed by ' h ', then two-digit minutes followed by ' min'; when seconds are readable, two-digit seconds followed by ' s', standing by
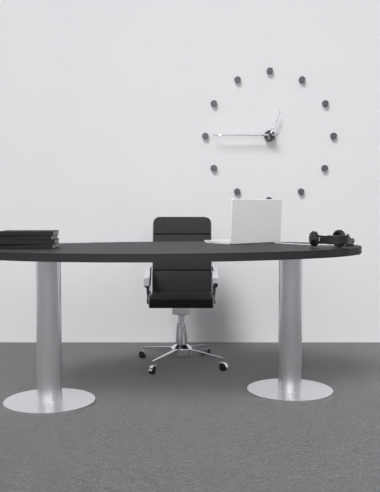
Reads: 12 h 45 min
